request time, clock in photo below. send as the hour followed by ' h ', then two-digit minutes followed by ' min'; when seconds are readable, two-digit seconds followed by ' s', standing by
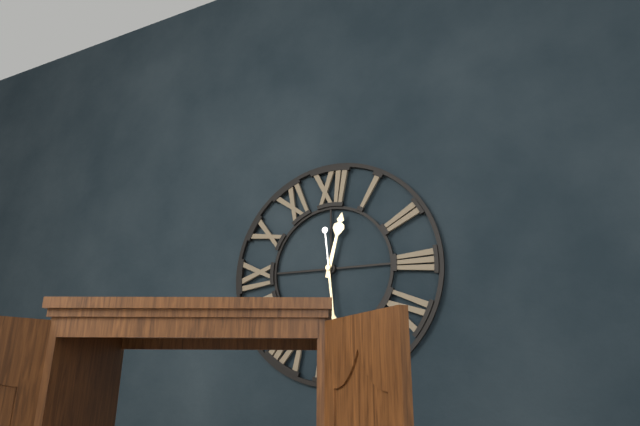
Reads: 12 h 29 min
